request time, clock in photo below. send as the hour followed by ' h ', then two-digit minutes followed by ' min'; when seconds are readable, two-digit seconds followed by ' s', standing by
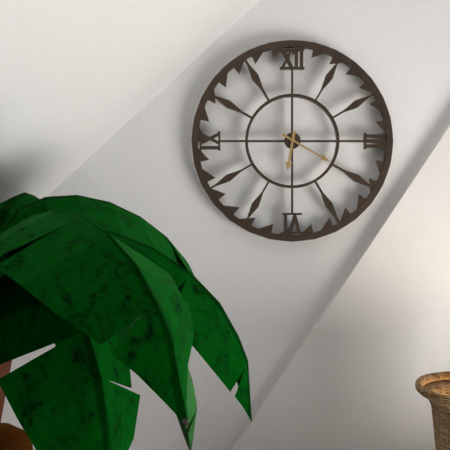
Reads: 6 h 20 min
